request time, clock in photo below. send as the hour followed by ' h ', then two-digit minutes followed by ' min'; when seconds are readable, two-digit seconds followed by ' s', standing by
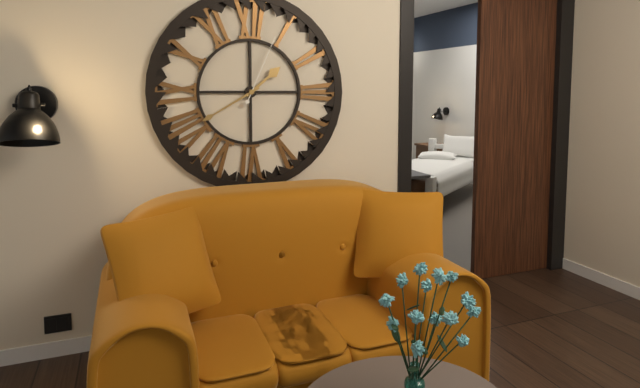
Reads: 1 h 40 min 04 s
